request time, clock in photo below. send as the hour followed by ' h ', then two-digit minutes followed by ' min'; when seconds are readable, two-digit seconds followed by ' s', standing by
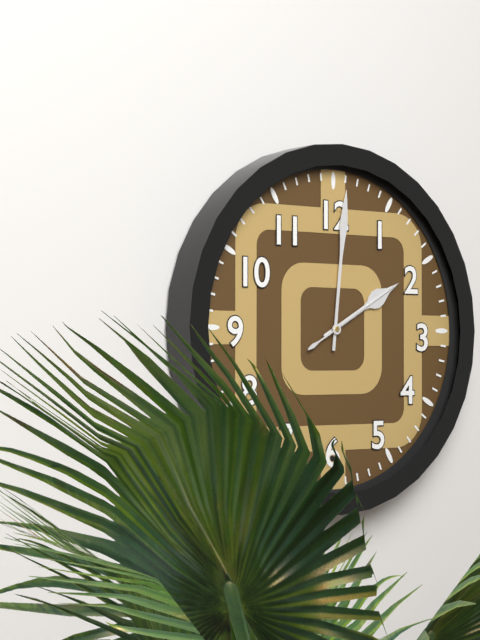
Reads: 2 h 01 min 10 s
